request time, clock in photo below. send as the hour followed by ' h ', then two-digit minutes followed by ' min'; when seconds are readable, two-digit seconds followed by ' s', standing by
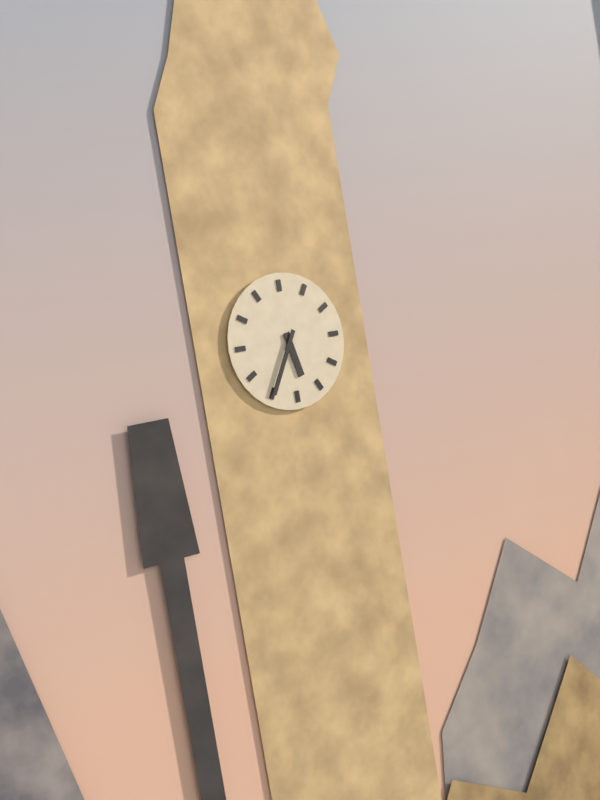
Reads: 5 h 35 min
